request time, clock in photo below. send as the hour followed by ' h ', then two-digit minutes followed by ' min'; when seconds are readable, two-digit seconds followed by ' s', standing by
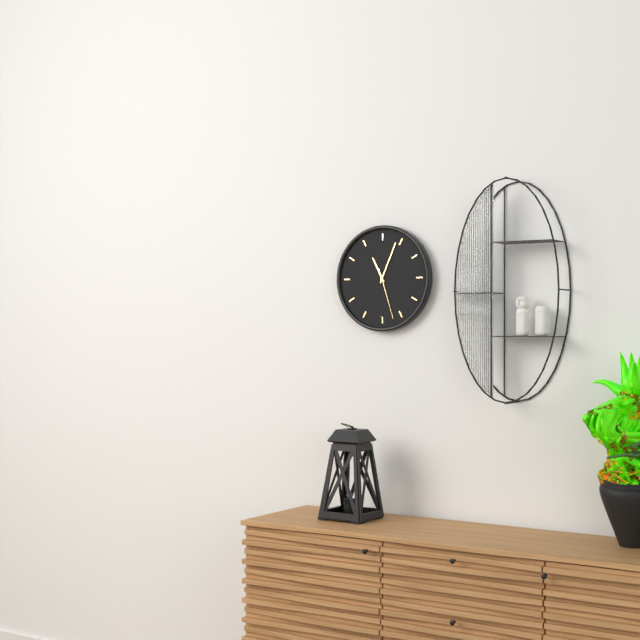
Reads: 11 h 04 min 27 s
